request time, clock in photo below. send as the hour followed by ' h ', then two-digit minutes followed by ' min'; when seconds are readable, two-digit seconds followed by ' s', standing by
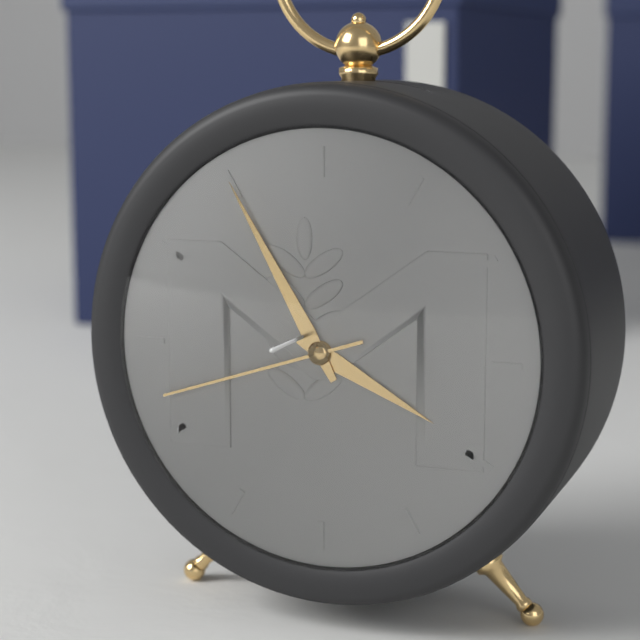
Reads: 3 h 55 min 42 s
